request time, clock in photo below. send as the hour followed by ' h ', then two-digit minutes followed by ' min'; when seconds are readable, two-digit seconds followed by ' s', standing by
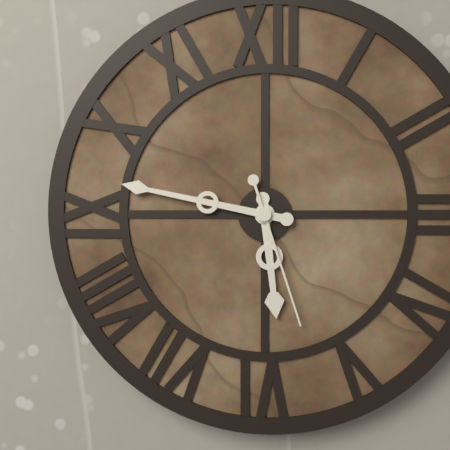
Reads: 5 h 47 min 27 s
